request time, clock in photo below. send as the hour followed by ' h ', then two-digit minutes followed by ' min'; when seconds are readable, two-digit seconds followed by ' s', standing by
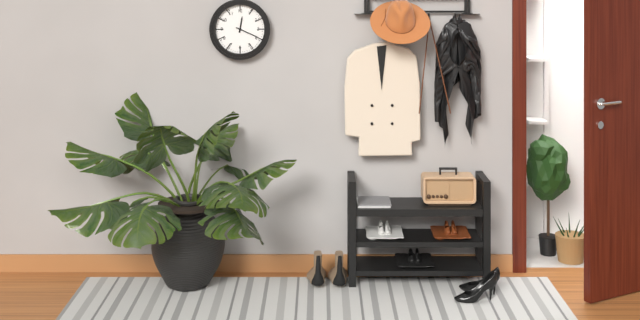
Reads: 12 h 19 min
